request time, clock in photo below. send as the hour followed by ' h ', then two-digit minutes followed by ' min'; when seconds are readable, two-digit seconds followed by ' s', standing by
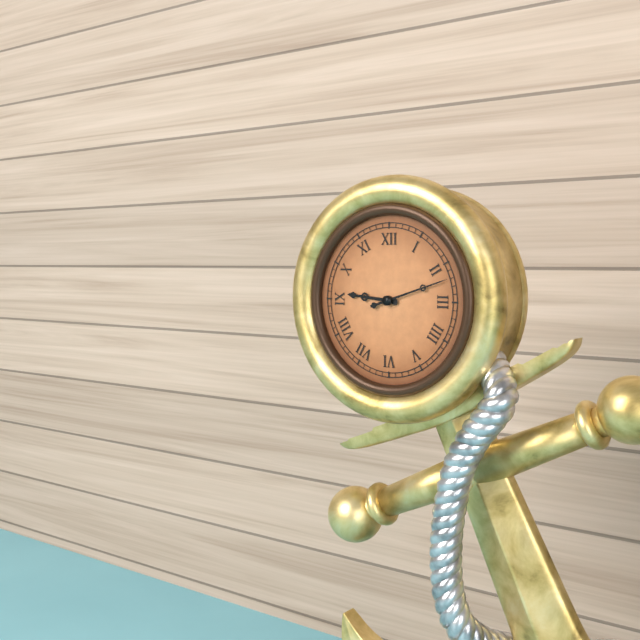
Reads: 9 h 12 min
